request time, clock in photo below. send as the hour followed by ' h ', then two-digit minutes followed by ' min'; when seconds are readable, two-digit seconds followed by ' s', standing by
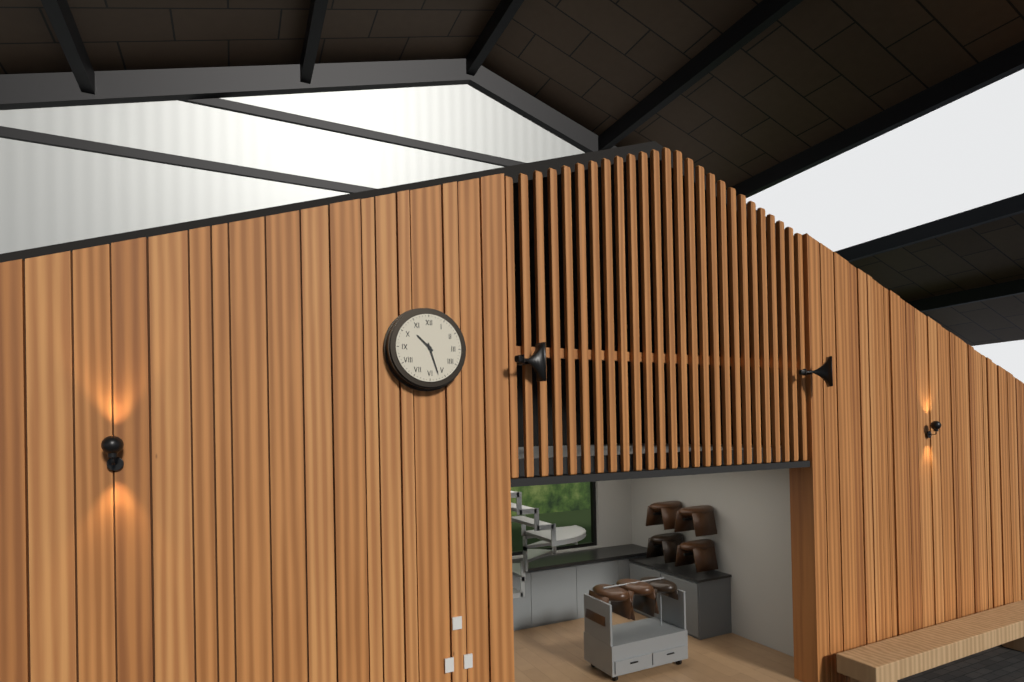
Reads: 10 h 27 min
